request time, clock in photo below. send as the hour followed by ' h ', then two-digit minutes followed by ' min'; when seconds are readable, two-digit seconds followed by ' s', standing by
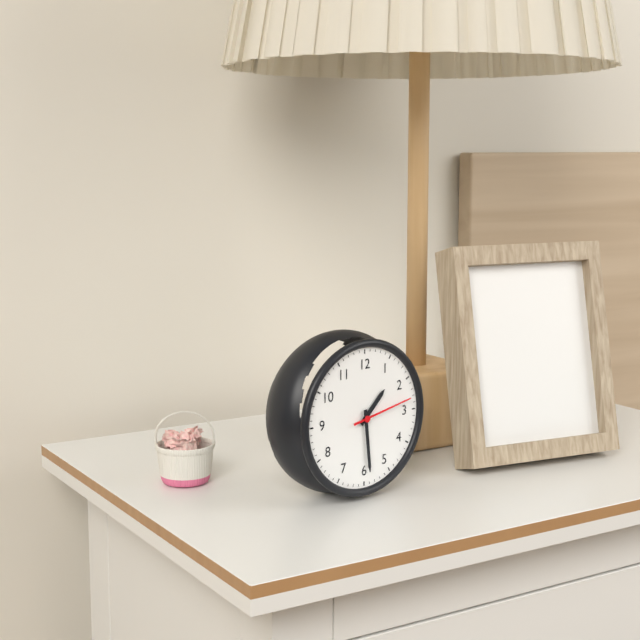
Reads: 1 h 29 min 13 s
